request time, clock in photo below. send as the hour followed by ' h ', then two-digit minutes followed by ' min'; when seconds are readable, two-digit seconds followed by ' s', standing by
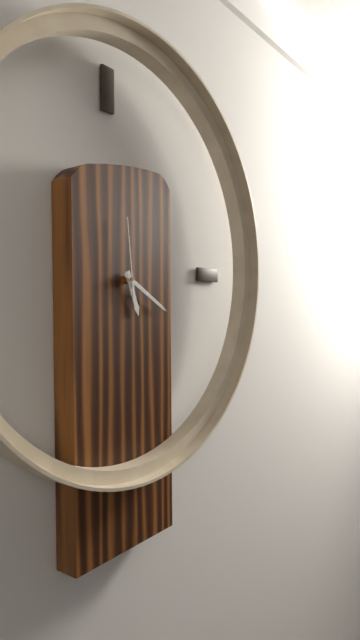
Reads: 5 h 20 min 59 s
